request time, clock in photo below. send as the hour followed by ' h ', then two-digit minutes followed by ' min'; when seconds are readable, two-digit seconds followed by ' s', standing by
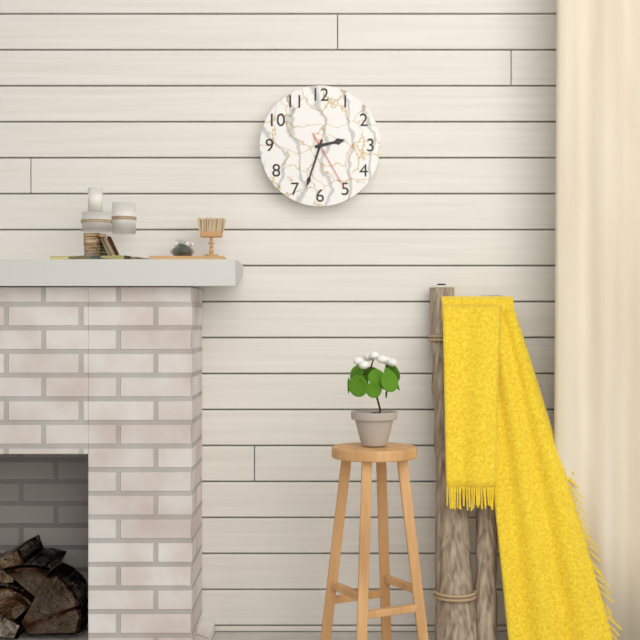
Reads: 2 h 33 min 25 s
